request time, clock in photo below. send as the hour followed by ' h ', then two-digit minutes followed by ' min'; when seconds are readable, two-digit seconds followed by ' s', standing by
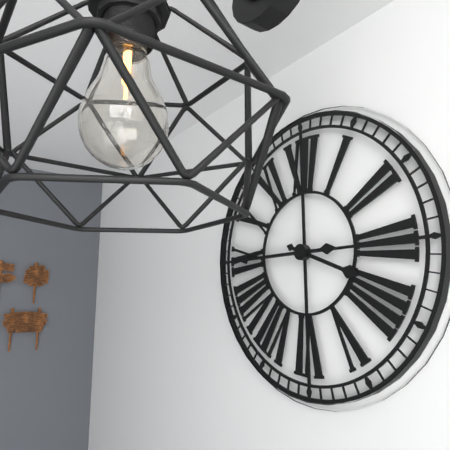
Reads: 3 h 45 min
